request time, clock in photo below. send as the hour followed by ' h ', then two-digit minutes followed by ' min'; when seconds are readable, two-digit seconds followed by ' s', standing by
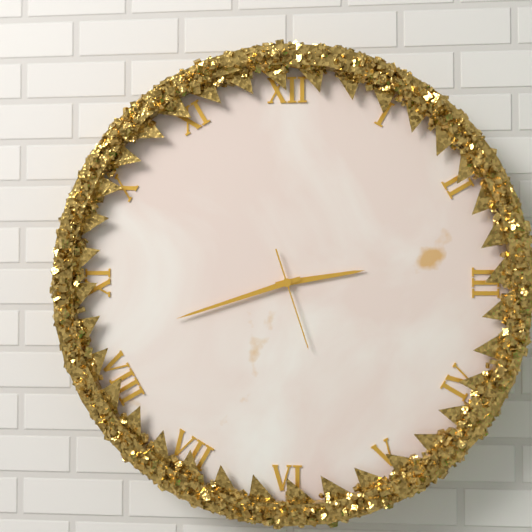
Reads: 2 h 42 min 27 s
